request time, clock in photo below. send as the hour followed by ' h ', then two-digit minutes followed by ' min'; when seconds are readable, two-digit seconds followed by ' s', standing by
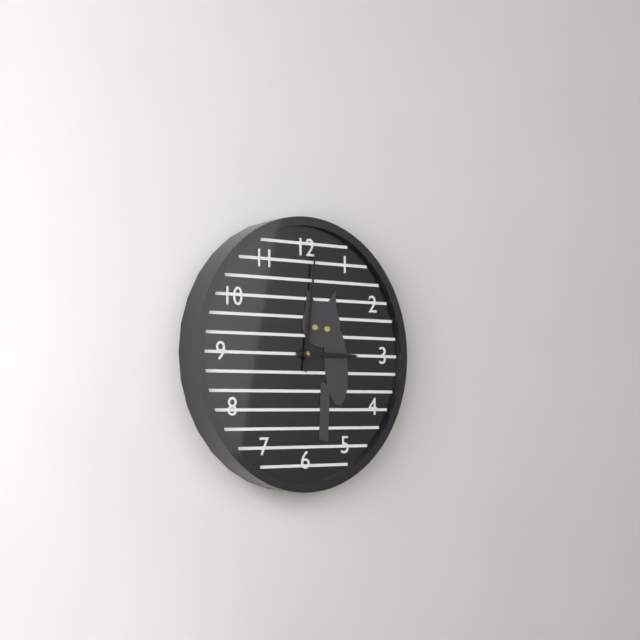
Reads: 3 h 01 min
